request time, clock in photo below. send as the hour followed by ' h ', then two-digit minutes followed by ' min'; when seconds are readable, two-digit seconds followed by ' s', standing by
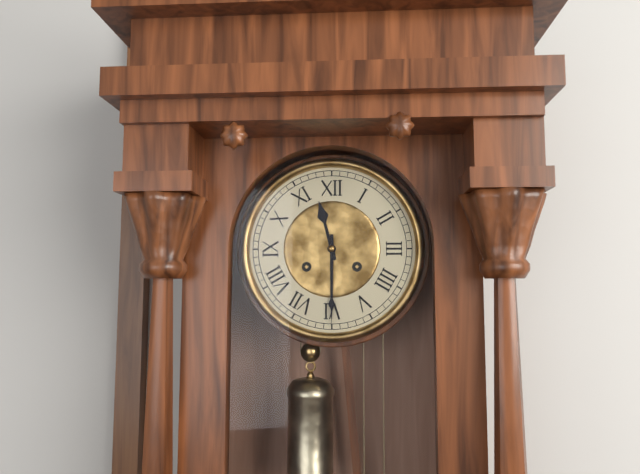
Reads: 11 h 30 min
